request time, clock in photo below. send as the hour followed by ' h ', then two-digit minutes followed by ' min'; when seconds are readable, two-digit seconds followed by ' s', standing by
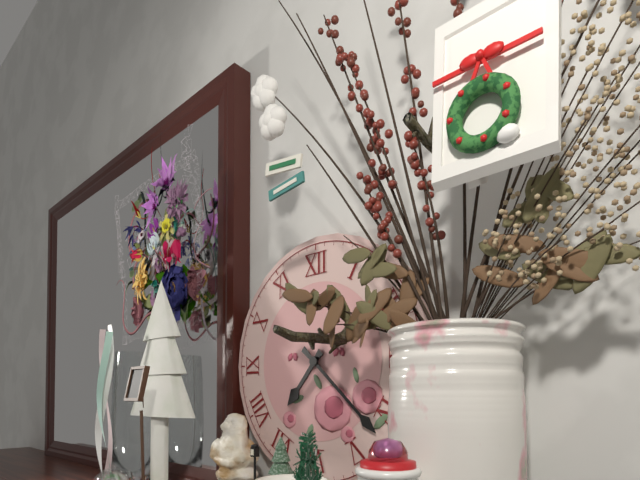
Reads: 7 h 22 min
